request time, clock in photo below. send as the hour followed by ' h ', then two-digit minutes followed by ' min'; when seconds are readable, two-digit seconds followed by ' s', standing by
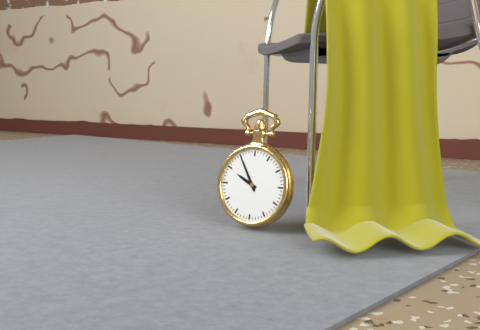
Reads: 9 h 55 min
